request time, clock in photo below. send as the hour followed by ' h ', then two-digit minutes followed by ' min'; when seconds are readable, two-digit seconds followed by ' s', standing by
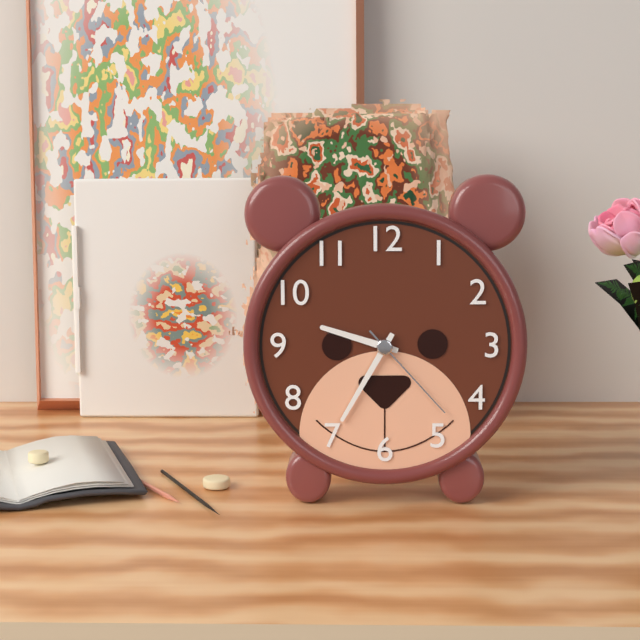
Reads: 9 h 35 min 23 s
